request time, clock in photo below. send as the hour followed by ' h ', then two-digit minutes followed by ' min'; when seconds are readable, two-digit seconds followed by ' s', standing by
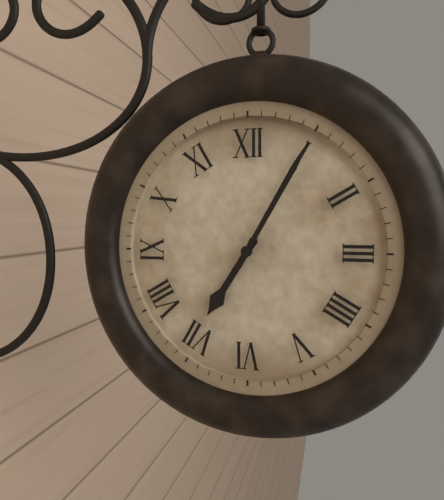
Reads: 7 h 05 min
